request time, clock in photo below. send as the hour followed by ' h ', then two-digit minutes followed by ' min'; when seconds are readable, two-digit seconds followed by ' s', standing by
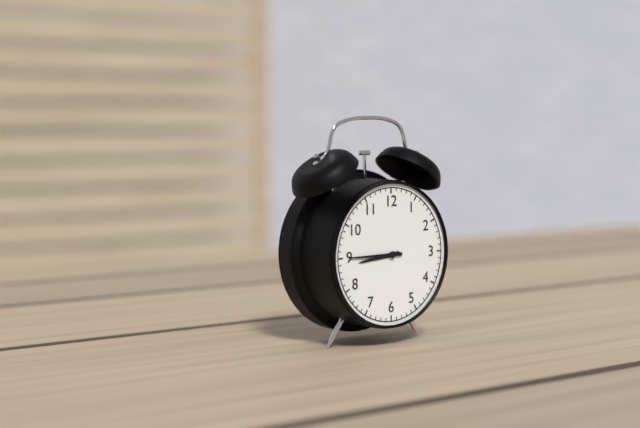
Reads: 8 h 45 min
